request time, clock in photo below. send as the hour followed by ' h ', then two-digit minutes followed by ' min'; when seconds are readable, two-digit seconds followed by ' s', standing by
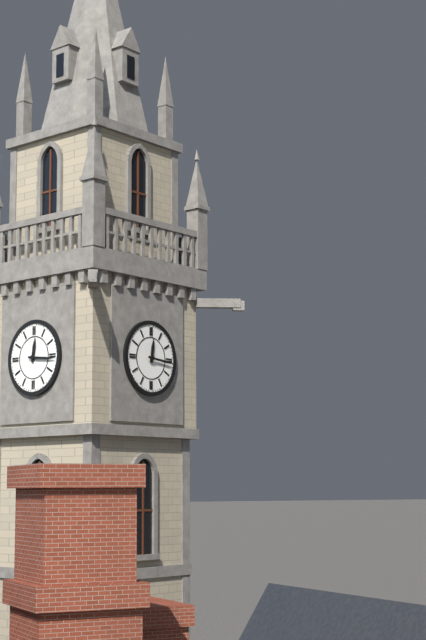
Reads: 12 h 16 min
